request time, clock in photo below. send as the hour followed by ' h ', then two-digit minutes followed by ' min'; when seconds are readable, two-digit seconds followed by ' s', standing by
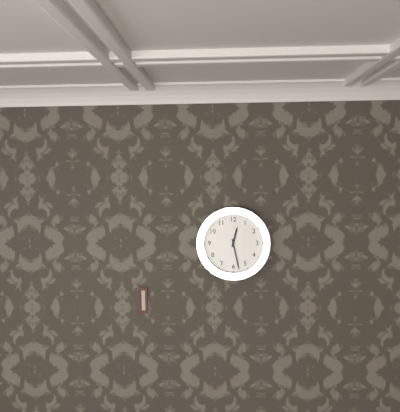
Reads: 12 h 28 min
